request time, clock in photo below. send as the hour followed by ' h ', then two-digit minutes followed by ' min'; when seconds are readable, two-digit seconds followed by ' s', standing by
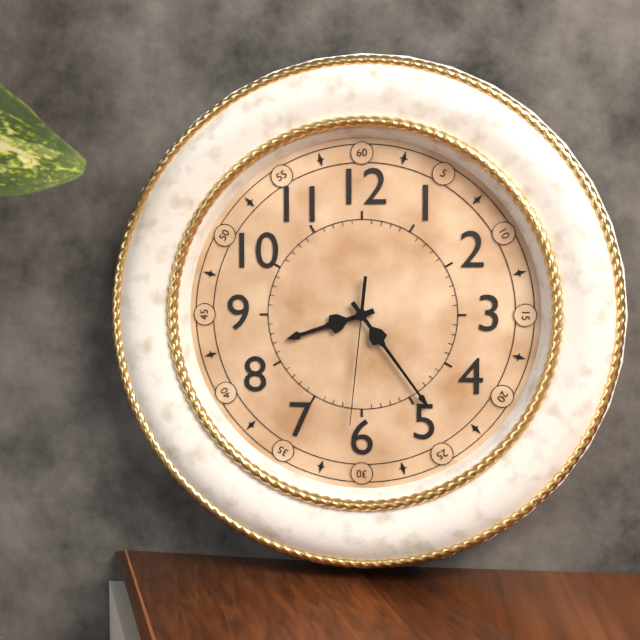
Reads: 8 h 24 min 31 s
